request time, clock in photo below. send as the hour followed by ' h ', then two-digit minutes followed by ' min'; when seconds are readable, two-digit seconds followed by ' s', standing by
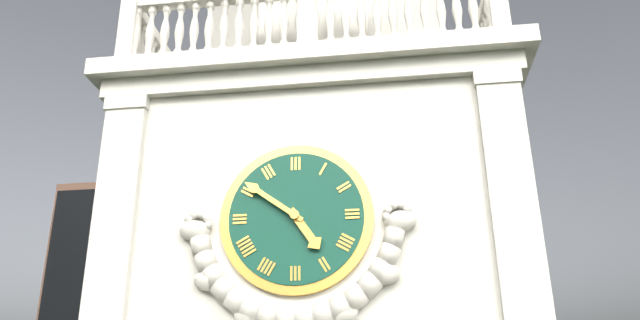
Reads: 4 h 51 min
